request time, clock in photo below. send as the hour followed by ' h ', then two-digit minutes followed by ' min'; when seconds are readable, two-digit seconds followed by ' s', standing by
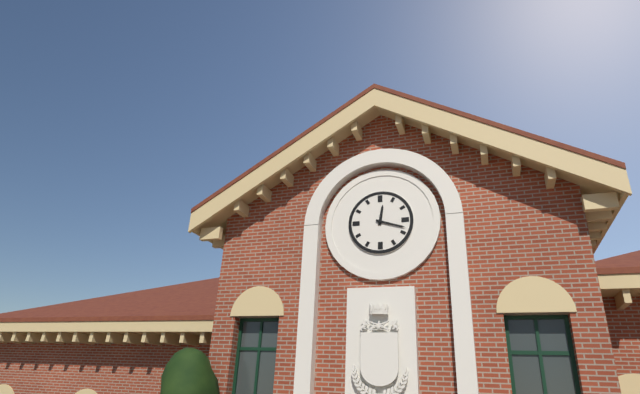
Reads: 12 h 18 min
